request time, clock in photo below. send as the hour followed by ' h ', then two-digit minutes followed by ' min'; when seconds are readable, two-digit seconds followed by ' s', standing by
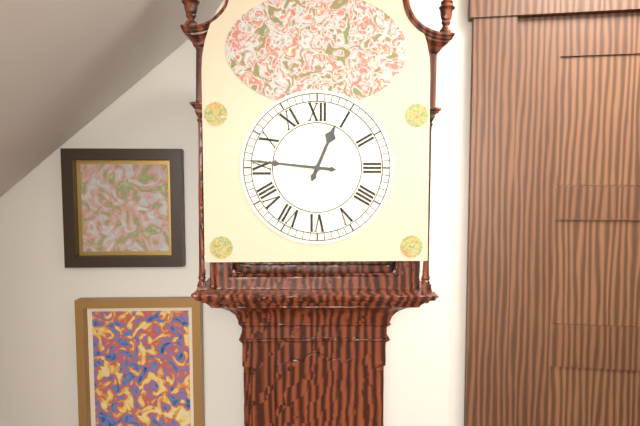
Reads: 12 h 46 min
